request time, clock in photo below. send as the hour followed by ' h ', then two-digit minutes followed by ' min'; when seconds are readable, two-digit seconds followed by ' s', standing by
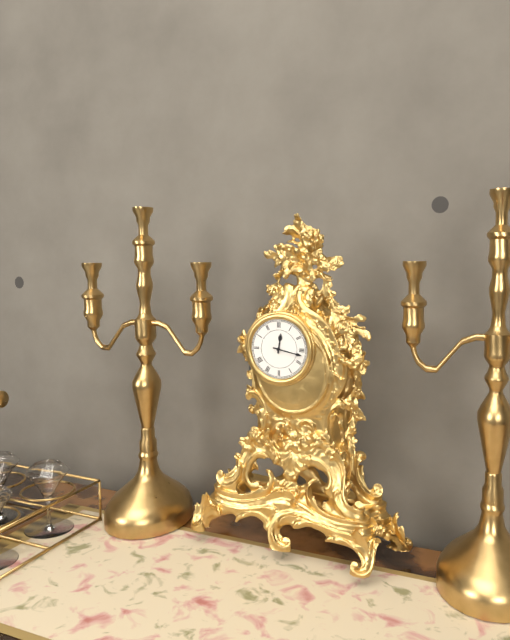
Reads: 12 h 17 min
